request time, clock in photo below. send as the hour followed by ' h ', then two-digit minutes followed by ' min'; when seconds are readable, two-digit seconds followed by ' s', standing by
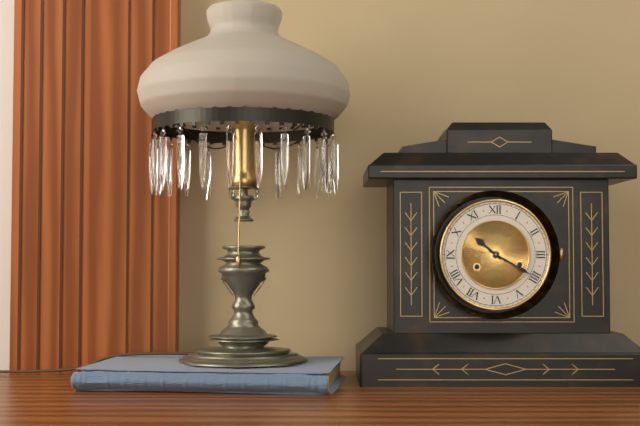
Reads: 10 h 20 min
